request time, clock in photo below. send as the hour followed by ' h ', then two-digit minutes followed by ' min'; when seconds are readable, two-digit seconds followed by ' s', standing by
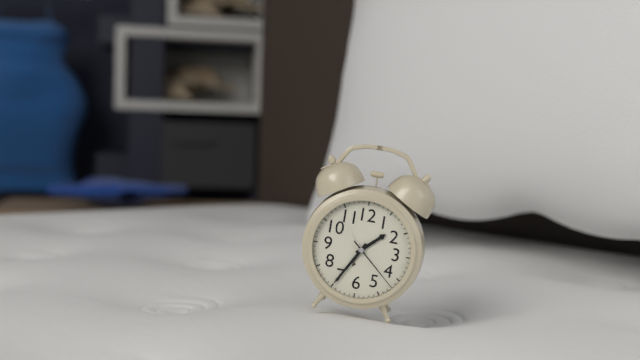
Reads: 1 h 35 min 22 s
